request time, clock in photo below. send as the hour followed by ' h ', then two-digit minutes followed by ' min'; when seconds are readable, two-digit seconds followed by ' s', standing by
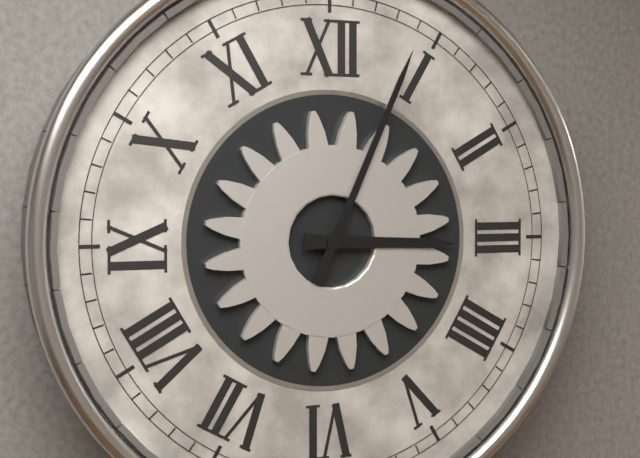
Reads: 3 h 04 min
